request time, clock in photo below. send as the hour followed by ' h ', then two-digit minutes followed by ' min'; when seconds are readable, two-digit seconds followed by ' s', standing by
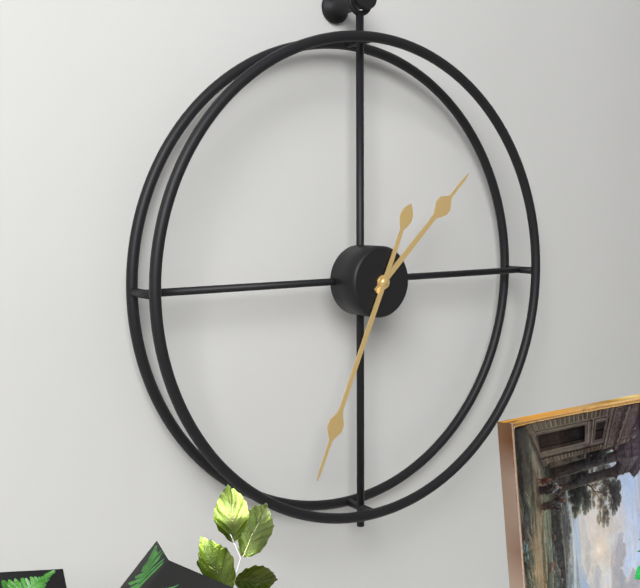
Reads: 1 h 34 min
